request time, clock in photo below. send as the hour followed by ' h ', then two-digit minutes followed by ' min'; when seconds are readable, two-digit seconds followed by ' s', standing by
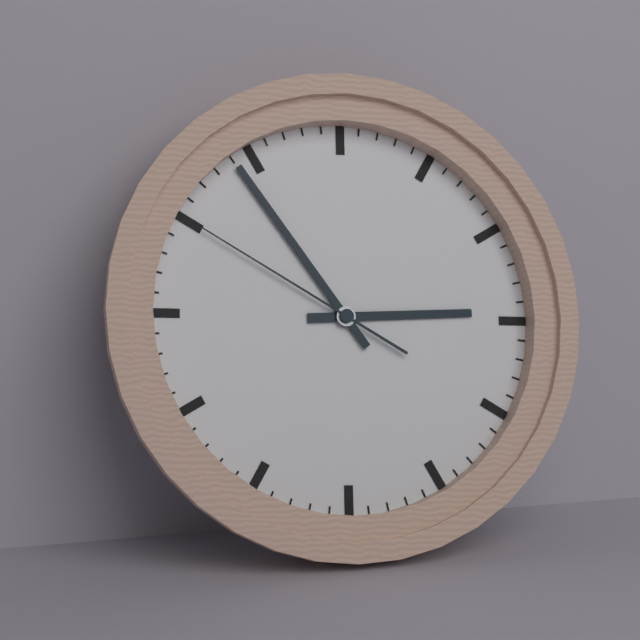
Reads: 2 h 54 min 50 s
